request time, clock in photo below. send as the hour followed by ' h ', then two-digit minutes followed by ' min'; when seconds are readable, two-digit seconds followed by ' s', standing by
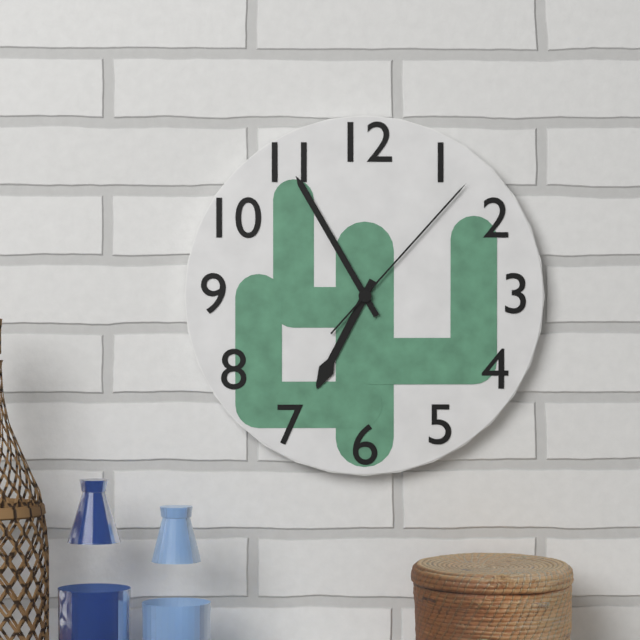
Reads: 6 h 55 min 07 s
